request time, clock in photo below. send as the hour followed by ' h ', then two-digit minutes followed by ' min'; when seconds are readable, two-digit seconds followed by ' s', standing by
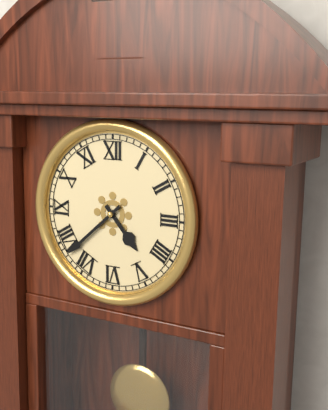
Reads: 4 h 38 min
